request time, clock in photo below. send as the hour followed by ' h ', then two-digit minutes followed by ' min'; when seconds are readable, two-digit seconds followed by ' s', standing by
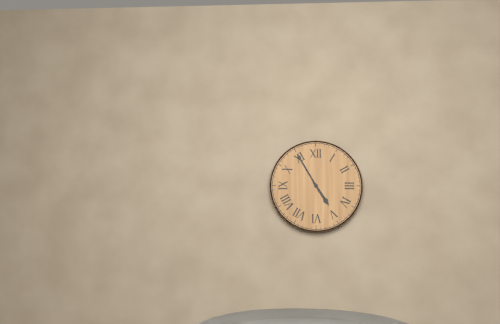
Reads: 4 h 55 min
